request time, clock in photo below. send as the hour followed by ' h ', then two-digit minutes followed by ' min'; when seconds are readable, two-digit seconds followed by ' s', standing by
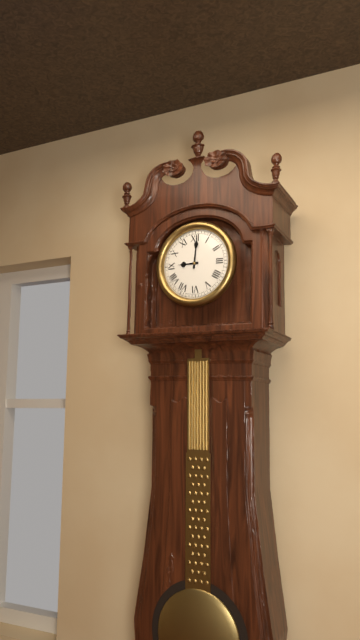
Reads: 9 h 01 min
